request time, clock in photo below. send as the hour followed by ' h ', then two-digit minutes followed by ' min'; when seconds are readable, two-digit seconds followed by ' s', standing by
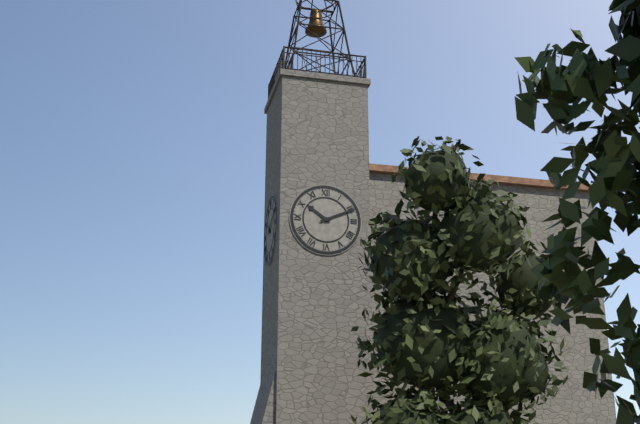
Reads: 10 h 11 min
